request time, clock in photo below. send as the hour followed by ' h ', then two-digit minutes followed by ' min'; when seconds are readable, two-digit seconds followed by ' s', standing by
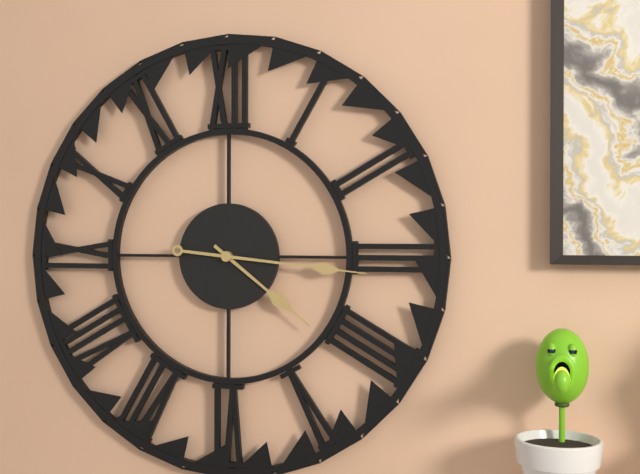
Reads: 4 h 16 min
